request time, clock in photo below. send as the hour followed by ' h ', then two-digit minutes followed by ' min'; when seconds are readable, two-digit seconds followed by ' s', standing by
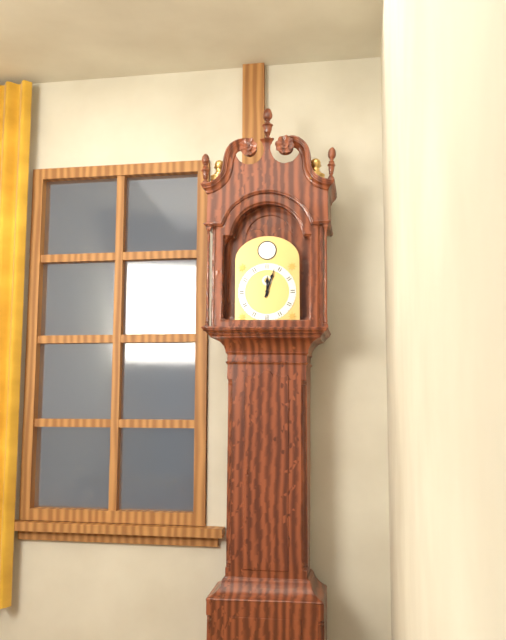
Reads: 12 h 03 min
